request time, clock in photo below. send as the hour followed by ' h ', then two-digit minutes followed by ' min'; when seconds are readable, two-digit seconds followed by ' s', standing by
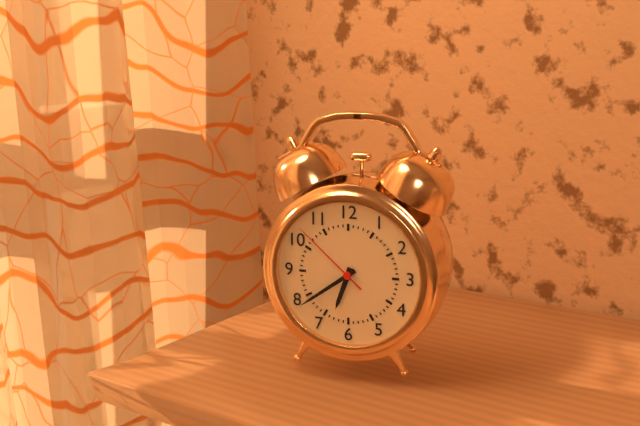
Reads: 6 h 39 min 52 s
